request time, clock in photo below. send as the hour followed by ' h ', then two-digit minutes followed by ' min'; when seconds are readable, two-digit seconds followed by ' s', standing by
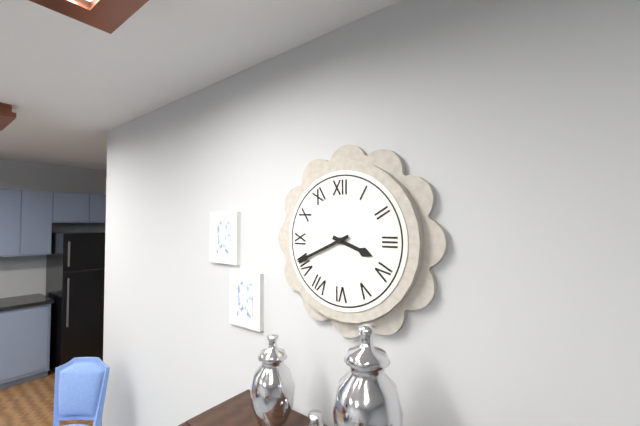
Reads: 3 h 41 min
